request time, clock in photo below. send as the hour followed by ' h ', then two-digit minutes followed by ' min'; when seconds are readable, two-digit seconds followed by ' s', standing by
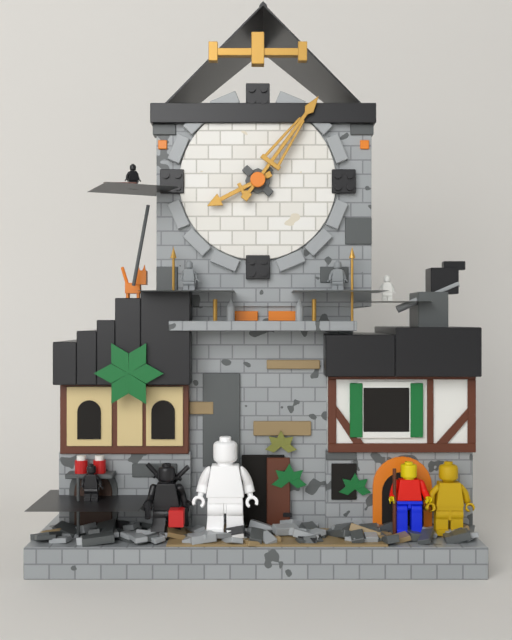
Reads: 8 h 06 min
